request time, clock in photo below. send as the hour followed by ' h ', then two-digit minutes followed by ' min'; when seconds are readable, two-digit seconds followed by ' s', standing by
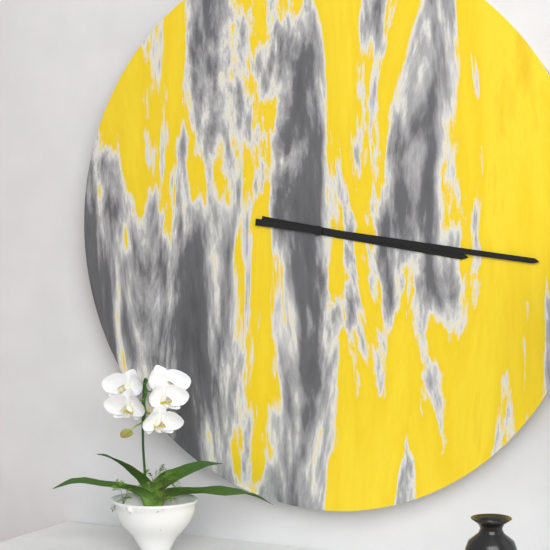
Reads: 3 h 16 min
